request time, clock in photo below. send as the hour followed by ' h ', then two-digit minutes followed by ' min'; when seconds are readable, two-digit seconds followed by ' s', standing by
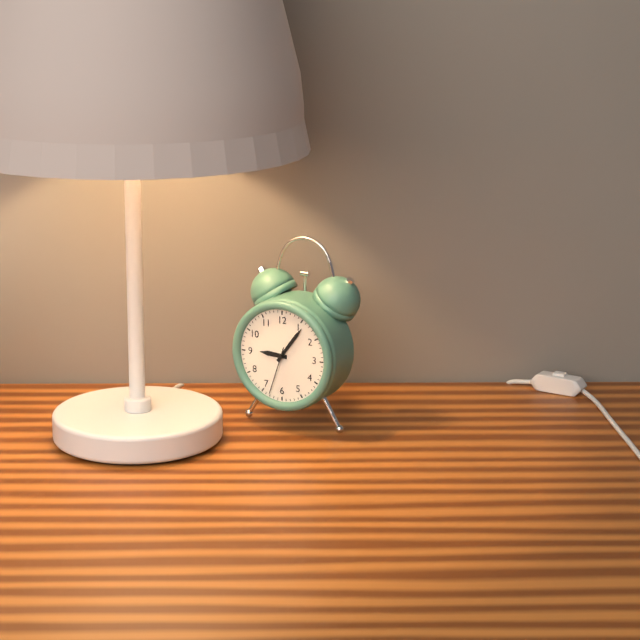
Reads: 9 h 06 min
